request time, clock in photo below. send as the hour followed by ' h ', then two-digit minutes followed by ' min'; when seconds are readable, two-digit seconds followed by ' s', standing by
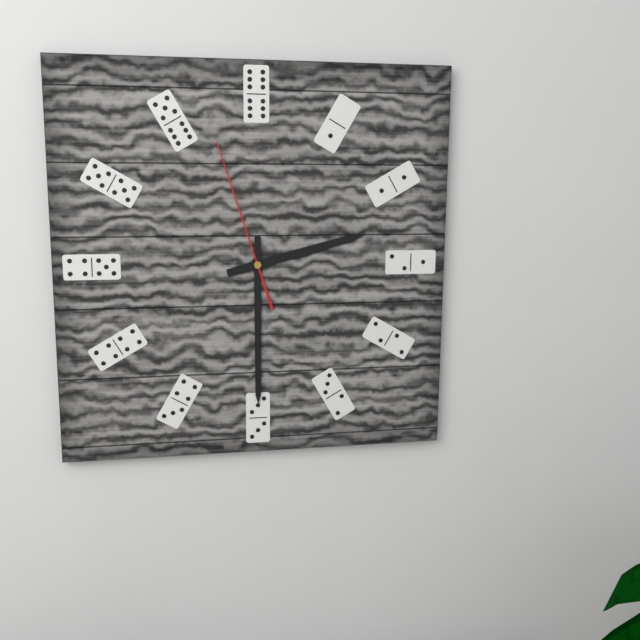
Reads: 2 h 30 min 57 s
